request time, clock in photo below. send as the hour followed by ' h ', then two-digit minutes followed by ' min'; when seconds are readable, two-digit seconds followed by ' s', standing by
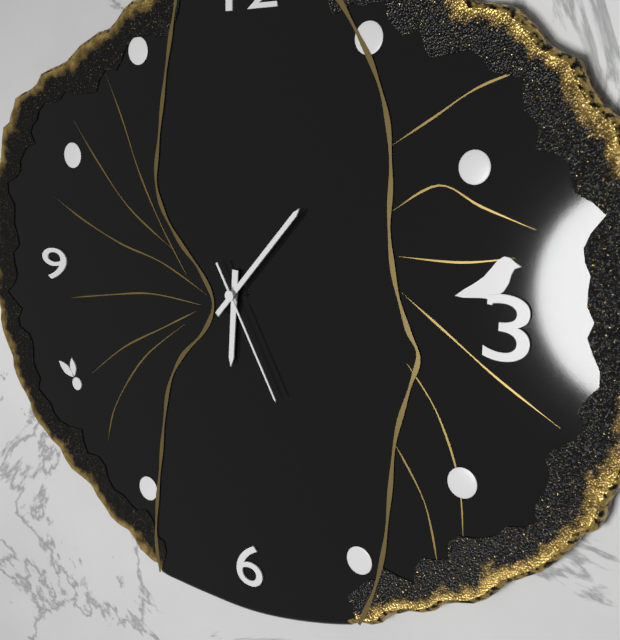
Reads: 6 h 07 min 25 s
